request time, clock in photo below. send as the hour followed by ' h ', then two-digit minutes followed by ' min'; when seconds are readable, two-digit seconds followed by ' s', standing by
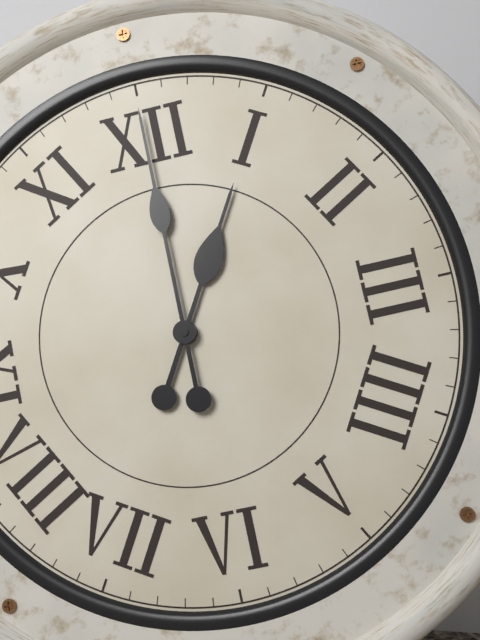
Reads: 1 h 00 min
